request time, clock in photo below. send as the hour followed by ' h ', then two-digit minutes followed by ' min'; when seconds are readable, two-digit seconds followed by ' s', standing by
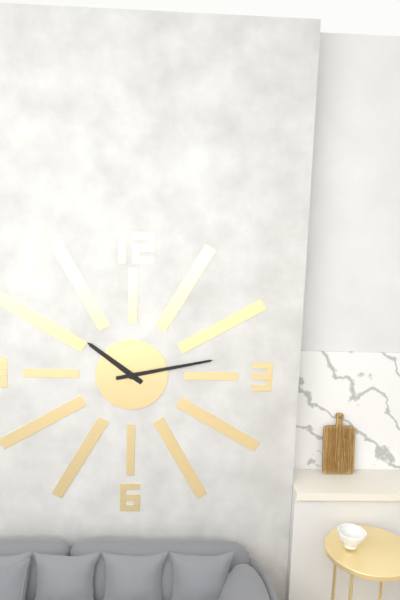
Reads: 10 h 13 min
